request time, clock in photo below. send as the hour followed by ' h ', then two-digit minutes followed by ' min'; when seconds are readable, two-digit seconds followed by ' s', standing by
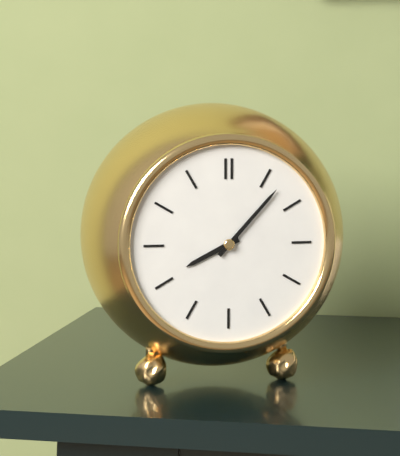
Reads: 8 h 07 min
